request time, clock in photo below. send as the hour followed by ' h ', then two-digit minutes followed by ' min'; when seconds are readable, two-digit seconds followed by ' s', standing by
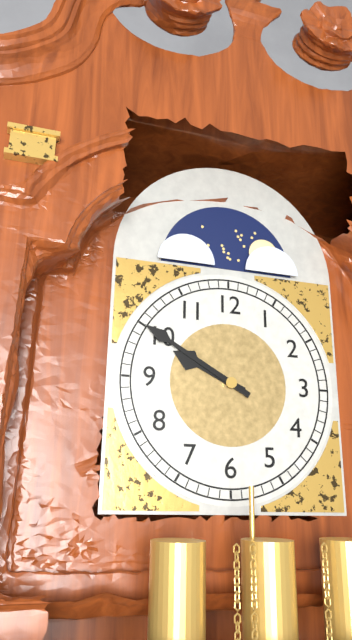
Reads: 9 h 50 min
